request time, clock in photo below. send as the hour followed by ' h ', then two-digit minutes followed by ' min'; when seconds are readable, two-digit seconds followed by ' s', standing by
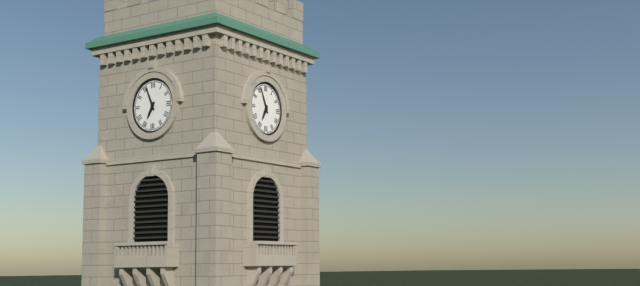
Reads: 6 h 56 min
